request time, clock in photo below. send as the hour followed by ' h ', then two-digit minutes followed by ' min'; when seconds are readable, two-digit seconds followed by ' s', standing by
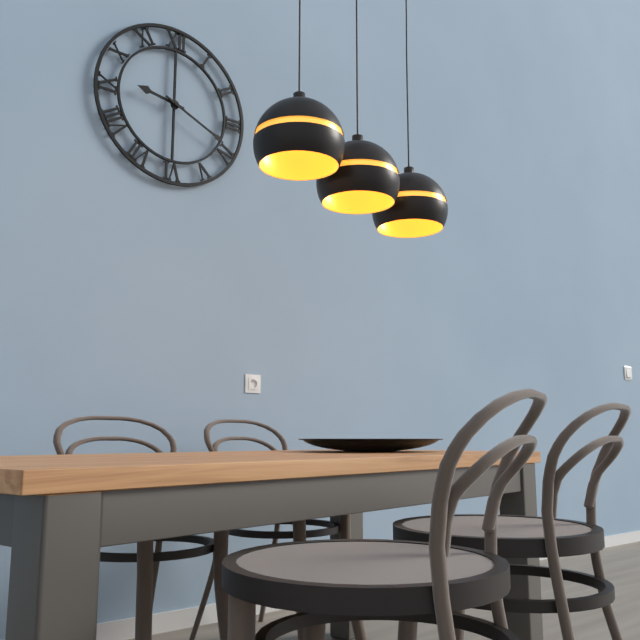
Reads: 9 h 19 min
